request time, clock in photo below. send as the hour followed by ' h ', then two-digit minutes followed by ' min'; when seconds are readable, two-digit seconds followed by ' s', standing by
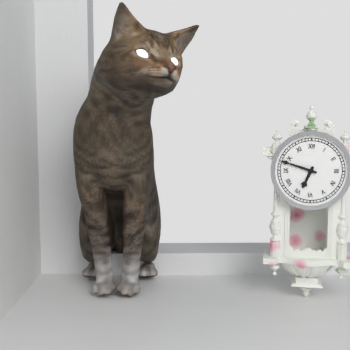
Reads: 6 h 48 min
